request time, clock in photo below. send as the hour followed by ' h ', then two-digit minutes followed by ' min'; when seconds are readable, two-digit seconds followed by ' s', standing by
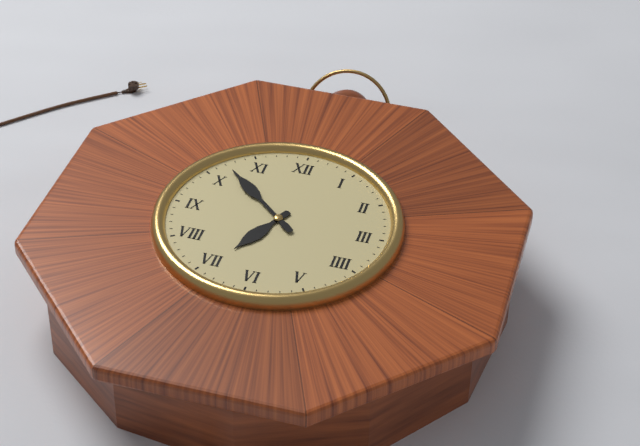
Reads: 6 h 52 min
